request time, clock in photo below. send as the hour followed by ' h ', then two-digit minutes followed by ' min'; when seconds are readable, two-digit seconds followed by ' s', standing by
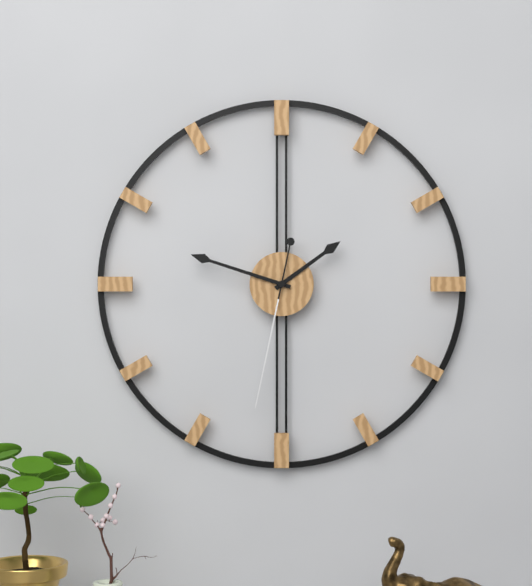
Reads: 1 h 48 min 32 s
